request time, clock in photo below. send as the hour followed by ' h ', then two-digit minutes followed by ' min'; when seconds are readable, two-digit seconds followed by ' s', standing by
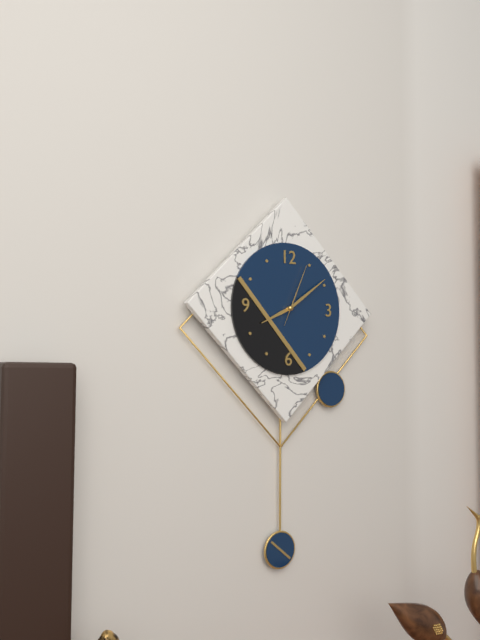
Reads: 8 h 09 min 04 s
